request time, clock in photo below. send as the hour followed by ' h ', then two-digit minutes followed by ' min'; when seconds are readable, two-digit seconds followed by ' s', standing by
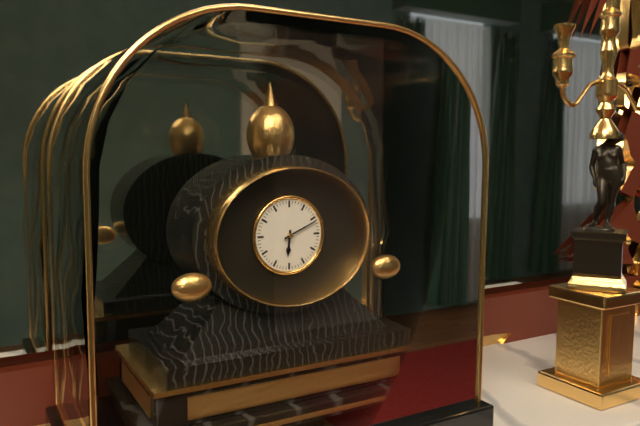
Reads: 6 h 11 min
